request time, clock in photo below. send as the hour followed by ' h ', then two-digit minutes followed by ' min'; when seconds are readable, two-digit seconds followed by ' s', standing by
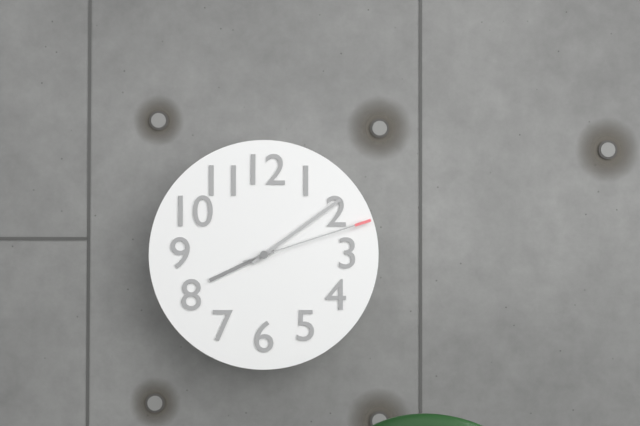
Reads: 8 h 09 min 12 s
